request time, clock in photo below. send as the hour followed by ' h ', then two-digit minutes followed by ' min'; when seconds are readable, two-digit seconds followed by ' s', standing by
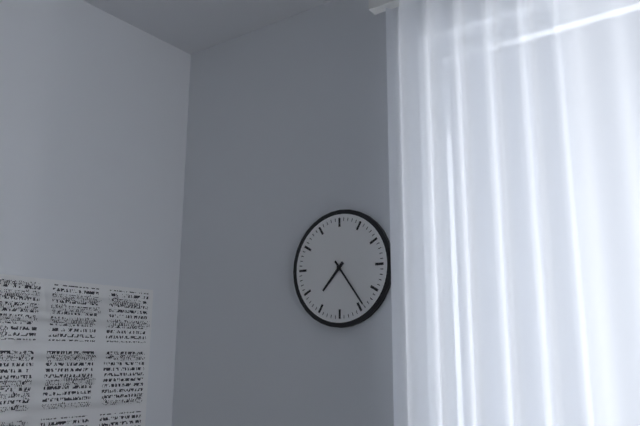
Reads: 7 h 24 min
